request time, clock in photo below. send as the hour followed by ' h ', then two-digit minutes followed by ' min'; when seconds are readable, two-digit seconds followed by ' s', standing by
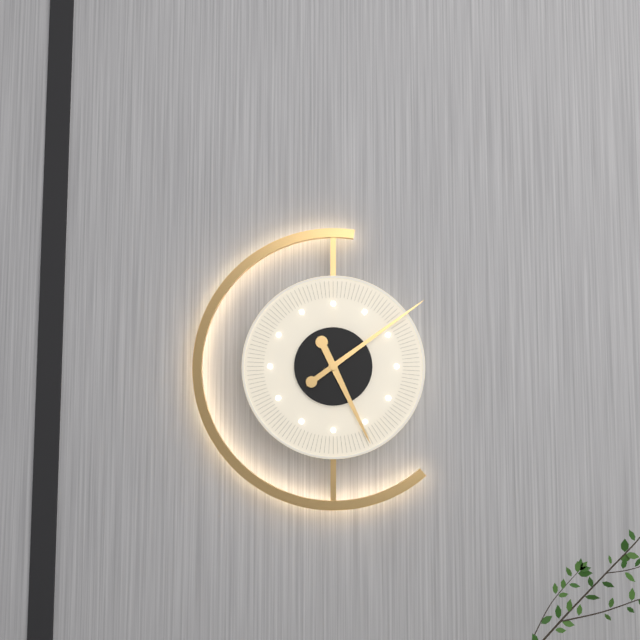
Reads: 5 h 09 min
